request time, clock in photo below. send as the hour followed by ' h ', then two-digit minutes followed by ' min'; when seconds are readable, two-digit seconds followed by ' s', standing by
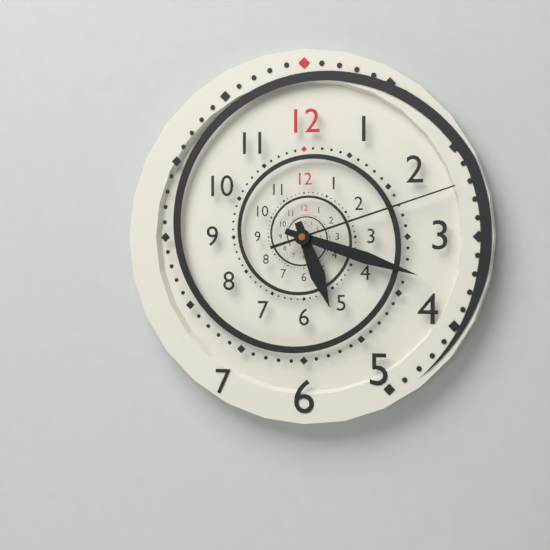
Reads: 5 h 18 min 12 s
